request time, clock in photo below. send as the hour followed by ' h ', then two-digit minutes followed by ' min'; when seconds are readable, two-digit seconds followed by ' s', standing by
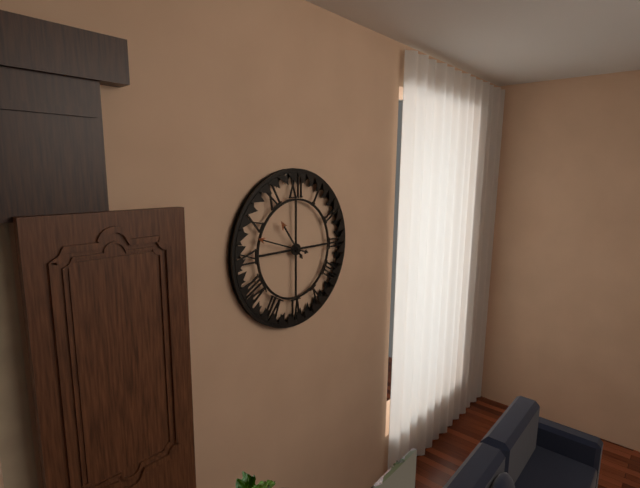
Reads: 10 h 48 min
